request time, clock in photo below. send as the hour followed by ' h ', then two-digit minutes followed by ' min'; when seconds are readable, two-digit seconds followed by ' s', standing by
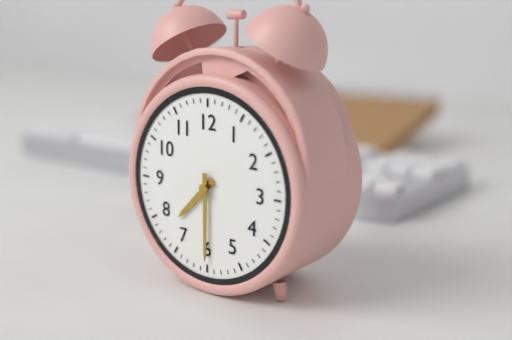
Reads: 7 h 30 min
